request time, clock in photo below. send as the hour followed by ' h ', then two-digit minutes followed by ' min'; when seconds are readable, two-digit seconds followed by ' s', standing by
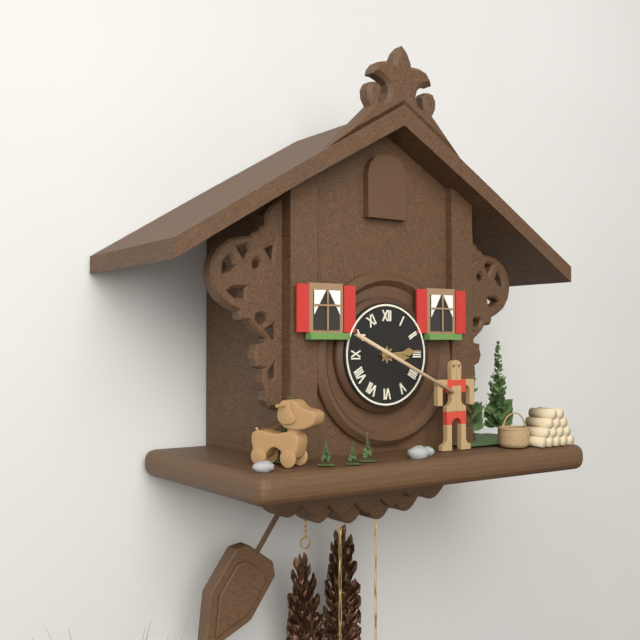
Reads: 3 h 14 min
